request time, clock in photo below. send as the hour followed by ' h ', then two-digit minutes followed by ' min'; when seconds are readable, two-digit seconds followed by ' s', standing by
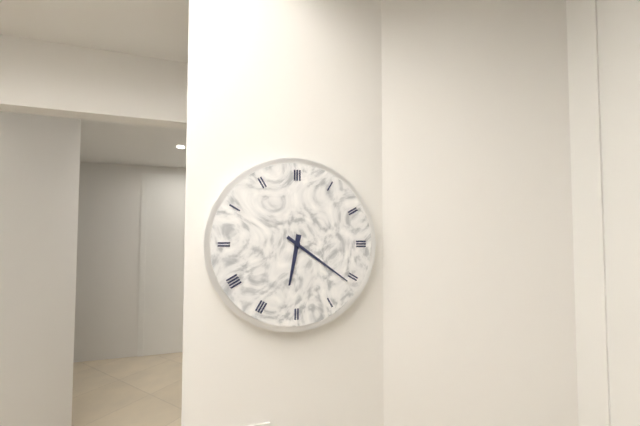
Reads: 6 h 21 min
